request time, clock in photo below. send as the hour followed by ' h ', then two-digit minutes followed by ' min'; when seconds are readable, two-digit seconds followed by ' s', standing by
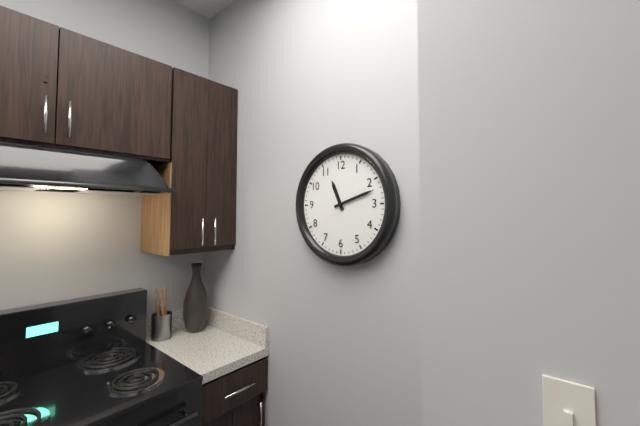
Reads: 11 h 12 min
